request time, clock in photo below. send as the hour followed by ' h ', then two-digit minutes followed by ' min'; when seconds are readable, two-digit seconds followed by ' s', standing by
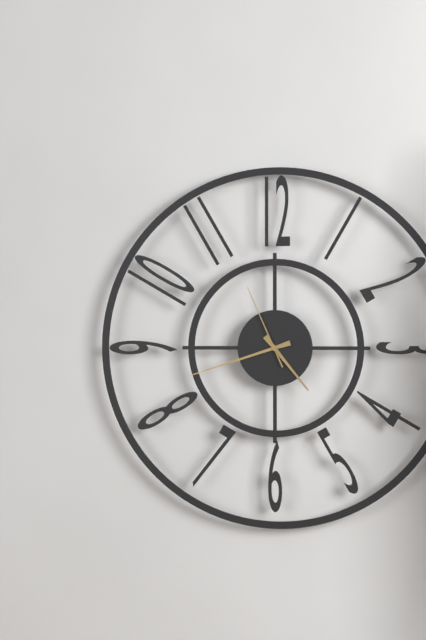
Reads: 4 h 42 min 56 s
